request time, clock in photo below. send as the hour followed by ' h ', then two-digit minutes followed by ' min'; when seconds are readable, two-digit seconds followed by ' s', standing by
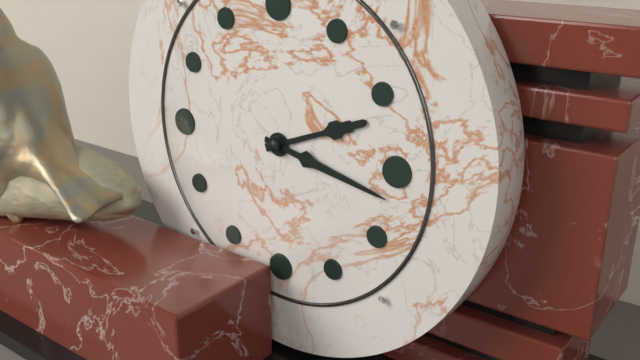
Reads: 2 h 17 min
